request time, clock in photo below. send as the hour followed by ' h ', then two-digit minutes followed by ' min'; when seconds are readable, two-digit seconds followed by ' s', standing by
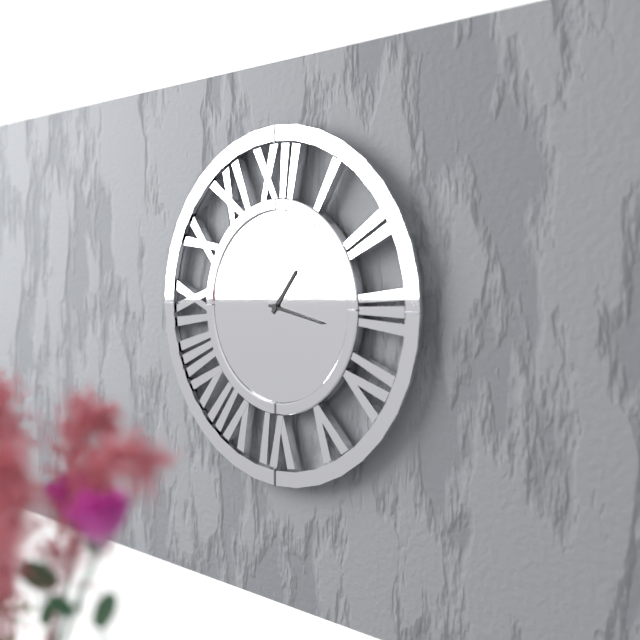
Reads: 1 h 17 min
